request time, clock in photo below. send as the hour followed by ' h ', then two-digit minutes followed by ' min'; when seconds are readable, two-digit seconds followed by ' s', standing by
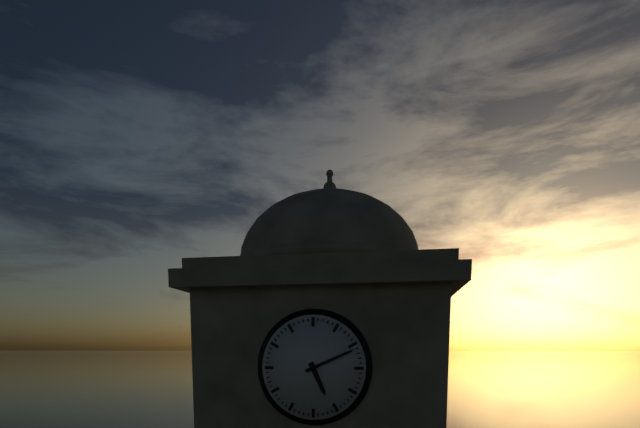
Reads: 5 h 11 min
